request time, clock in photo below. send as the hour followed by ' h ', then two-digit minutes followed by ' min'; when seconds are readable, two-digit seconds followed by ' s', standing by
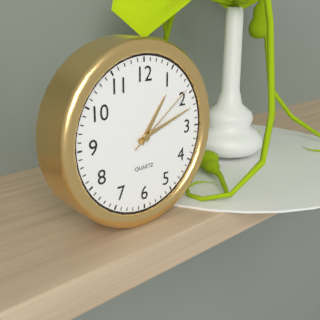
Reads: 1 h 12 min 09 s
